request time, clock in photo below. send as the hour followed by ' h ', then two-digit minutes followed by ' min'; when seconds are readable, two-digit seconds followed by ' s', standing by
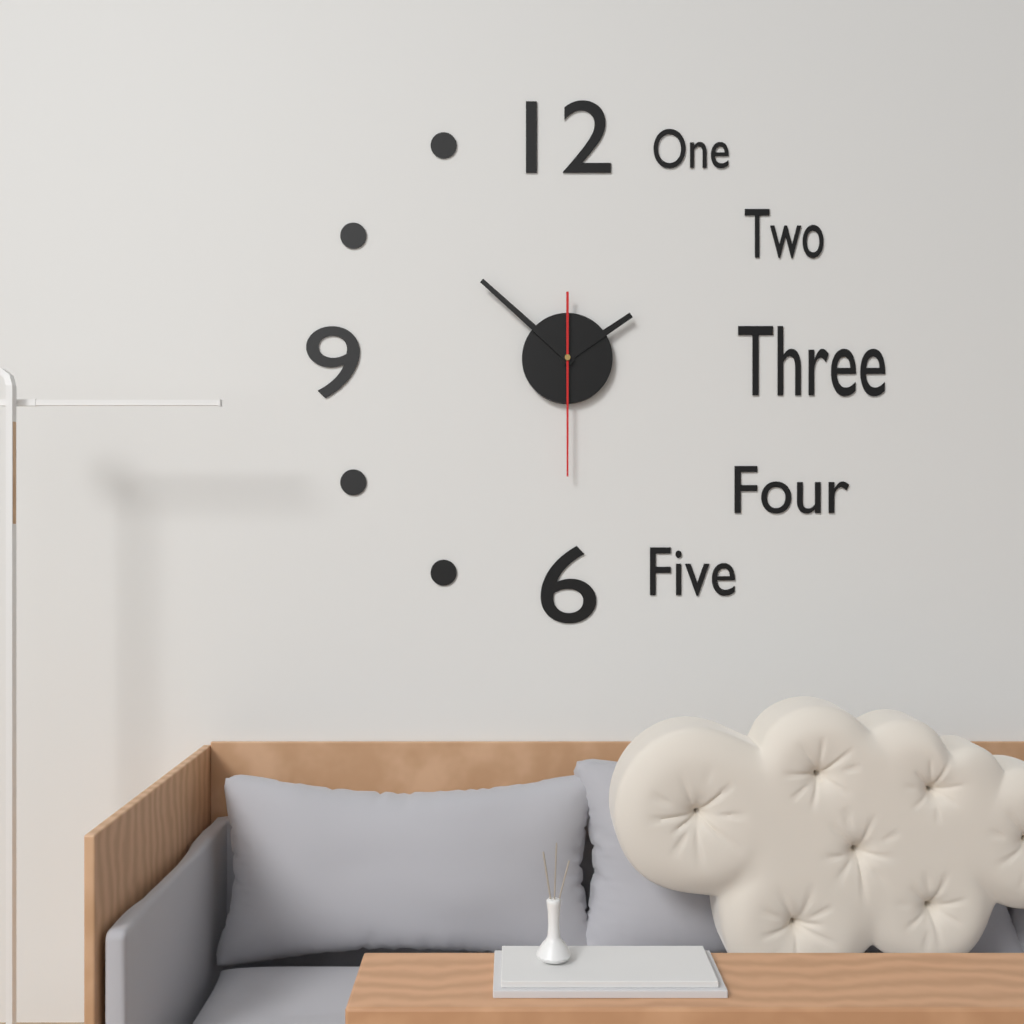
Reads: 1 h 52 min 30 s
